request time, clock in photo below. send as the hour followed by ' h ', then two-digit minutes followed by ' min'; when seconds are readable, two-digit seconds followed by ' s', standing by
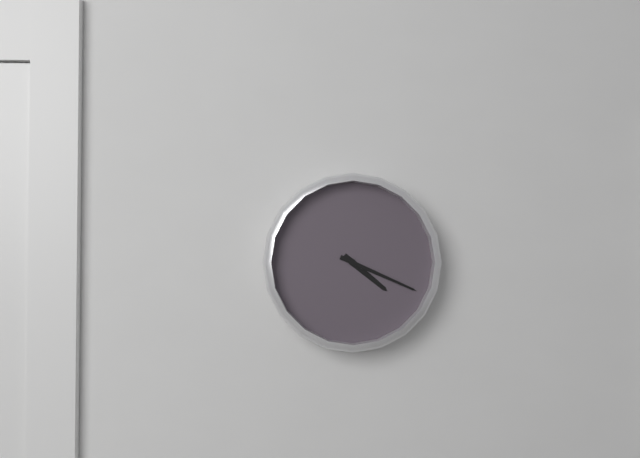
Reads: 4 h 19 min
